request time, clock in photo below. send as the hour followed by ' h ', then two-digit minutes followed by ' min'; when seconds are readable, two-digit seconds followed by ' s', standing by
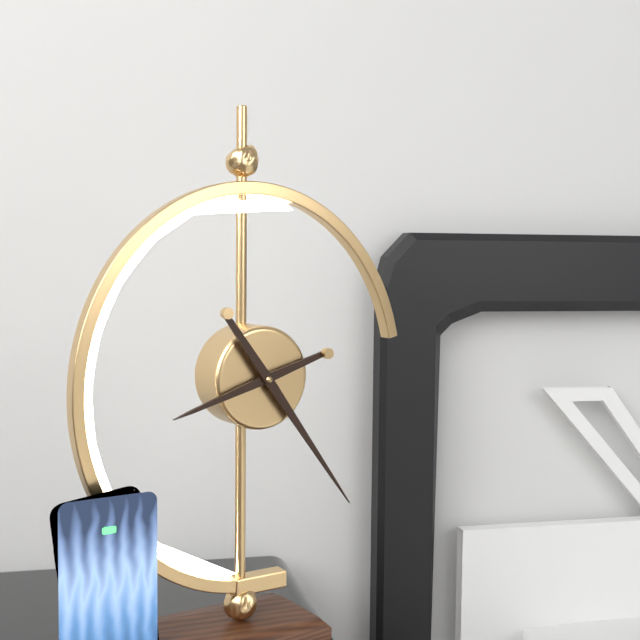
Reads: 8 h 24 min
